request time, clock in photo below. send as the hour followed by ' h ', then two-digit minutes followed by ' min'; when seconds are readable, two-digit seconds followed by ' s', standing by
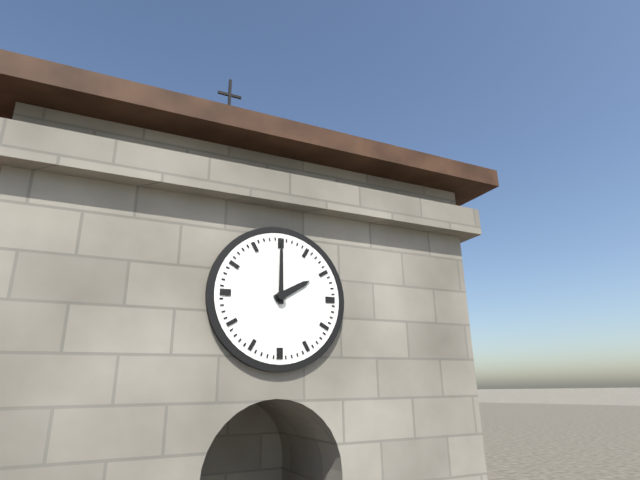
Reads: 2 h 00 min
